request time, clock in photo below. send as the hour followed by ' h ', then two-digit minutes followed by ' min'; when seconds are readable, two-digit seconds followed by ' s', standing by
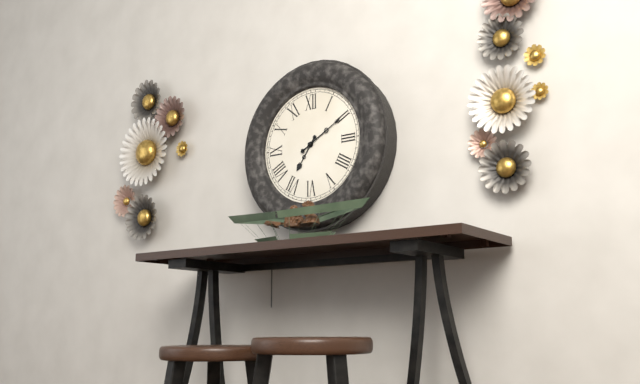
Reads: 7 h 10 min
